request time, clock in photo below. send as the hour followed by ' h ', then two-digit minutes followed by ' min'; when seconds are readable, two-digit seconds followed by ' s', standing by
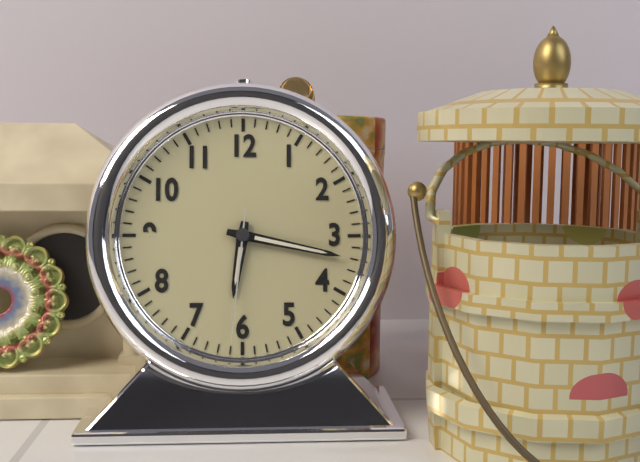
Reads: 6 h 17 min 31 s
